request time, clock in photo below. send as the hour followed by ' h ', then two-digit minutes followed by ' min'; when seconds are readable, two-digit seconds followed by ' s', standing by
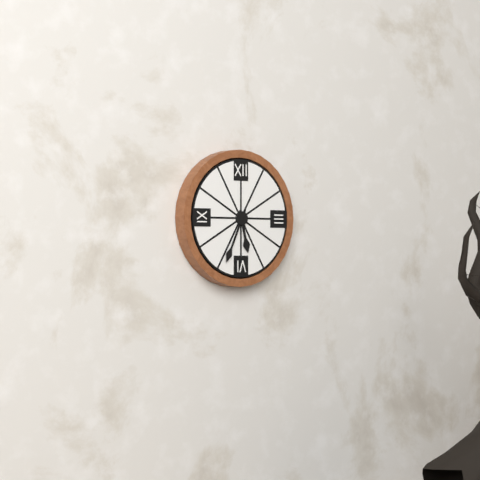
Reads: 5 h 34 min
